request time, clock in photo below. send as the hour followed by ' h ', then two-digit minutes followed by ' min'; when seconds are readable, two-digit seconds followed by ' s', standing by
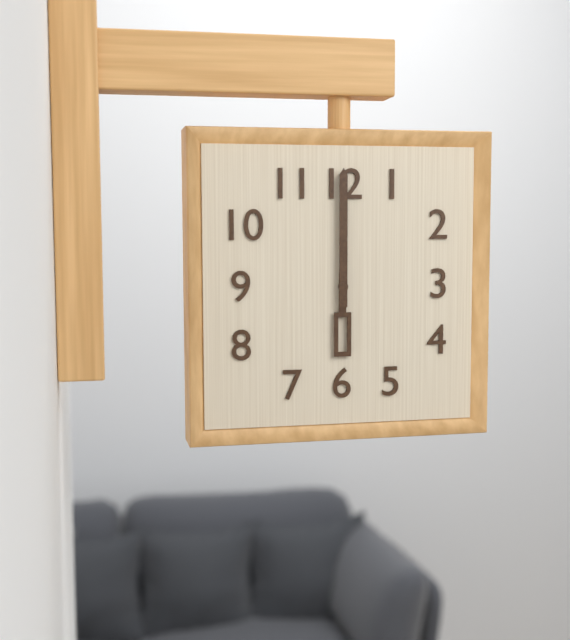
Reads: 6 h 00 min
